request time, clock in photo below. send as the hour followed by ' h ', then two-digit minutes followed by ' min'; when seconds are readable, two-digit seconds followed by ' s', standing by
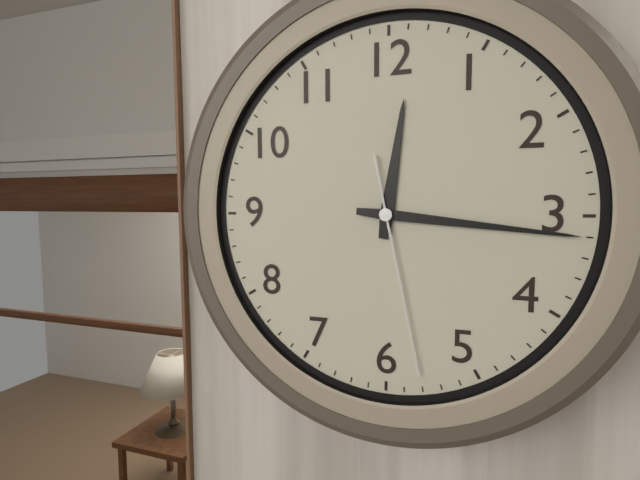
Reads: 12 h 16 min 28 s
